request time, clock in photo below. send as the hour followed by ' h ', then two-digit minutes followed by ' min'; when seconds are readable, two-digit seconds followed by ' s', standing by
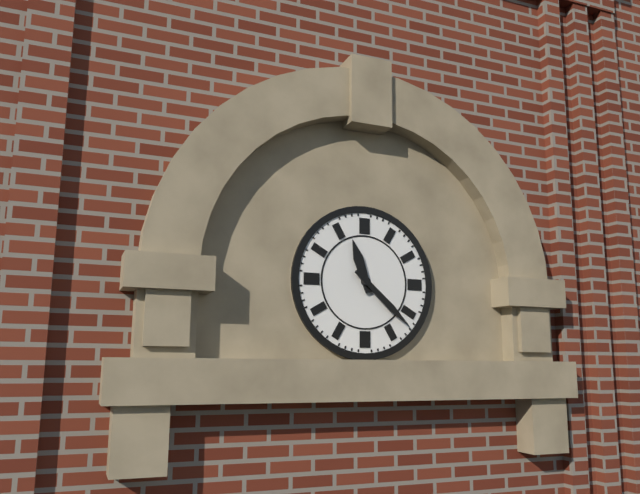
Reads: 11 h 22 min
